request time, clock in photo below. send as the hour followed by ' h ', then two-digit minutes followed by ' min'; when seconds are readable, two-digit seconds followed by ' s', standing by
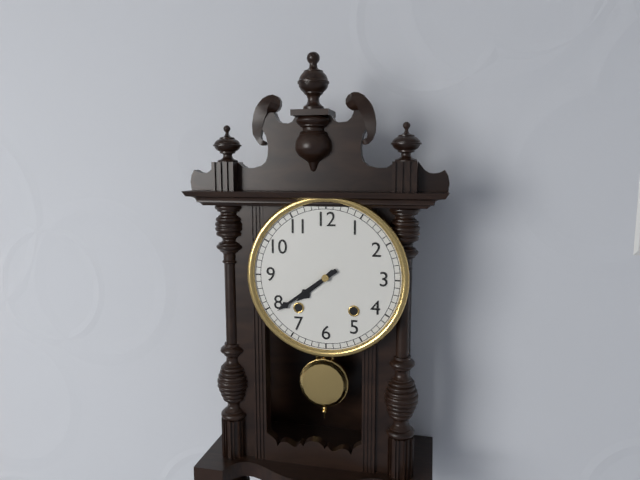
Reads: 7 h 39 min
